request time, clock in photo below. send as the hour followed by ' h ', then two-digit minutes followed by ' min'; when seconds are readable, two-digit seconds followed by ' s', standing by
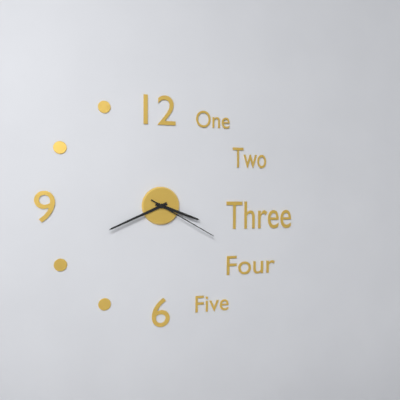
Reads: 3 h 41 min 20 s
